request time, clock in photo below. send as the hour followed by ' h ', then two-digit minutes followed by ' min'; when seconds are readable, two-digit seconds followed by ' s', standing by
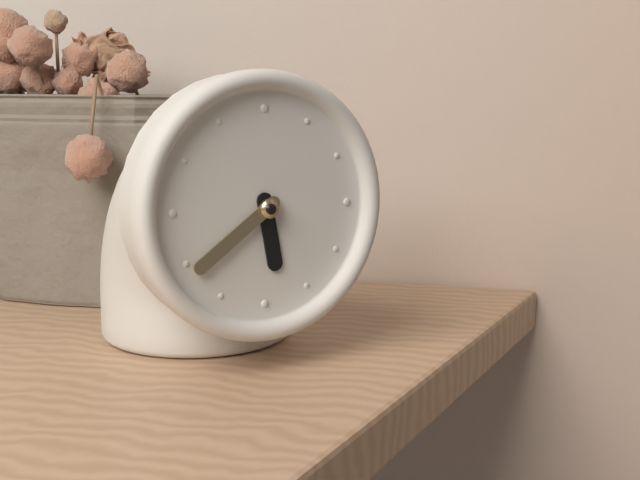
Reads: 5 h 39 min
